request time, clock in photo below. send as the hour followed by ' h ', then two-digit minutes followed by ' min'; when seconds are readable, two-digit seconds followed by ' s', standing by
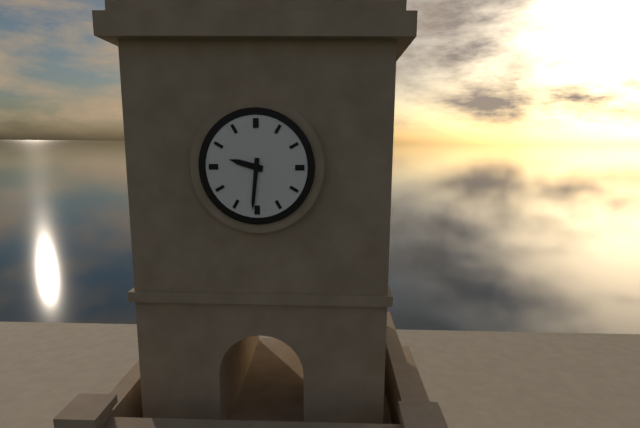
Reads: 9 h 31 min
